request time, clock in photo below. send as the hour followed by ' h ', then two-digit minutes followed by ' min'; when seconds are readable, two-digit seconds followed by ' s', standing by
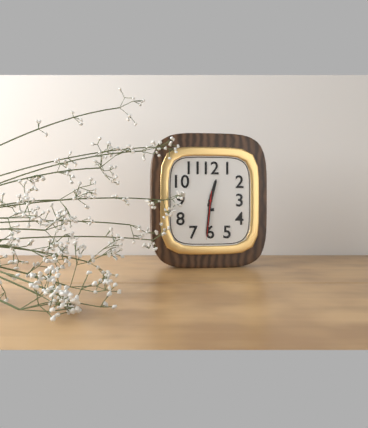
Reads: 12 h 31 min
